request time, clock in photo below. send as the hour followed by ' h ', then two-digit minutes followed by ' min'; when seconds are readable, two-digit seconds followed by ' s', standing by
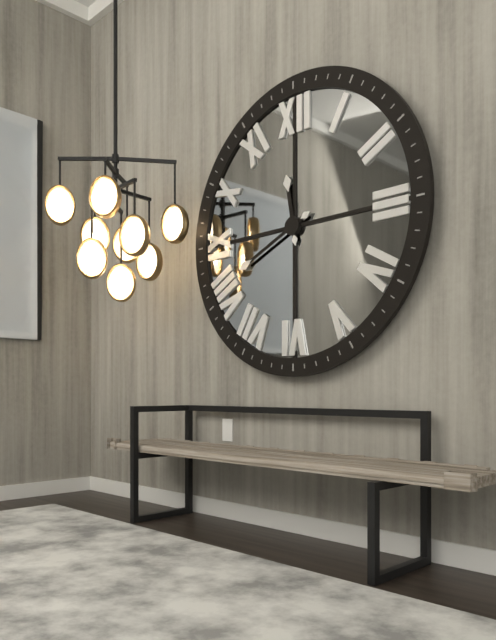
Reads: 11 h 41 min
